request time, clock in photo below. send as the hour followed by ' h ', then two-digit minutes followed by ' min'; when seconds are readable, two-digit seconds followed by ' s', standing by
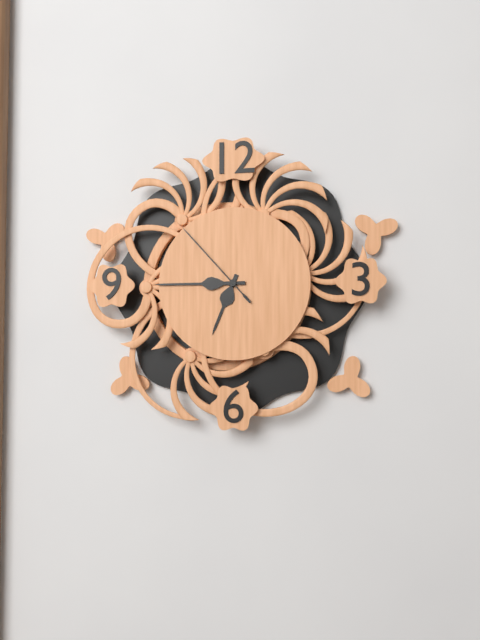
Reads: 6 h 45 min 53 s
